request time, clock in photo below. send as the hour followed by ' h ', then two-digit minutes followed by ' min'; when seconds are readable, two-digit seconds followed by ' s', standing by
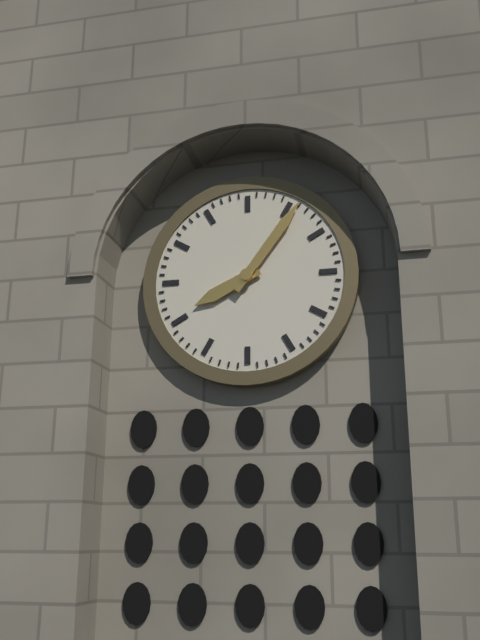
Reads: 8 h 06 min
